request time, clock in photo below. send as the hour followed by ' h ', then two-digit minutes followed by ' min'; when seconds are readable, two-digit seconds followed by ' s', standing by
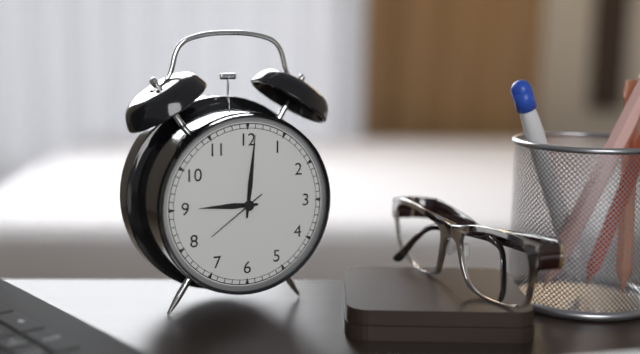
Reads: 9 h 01 min 39 s
